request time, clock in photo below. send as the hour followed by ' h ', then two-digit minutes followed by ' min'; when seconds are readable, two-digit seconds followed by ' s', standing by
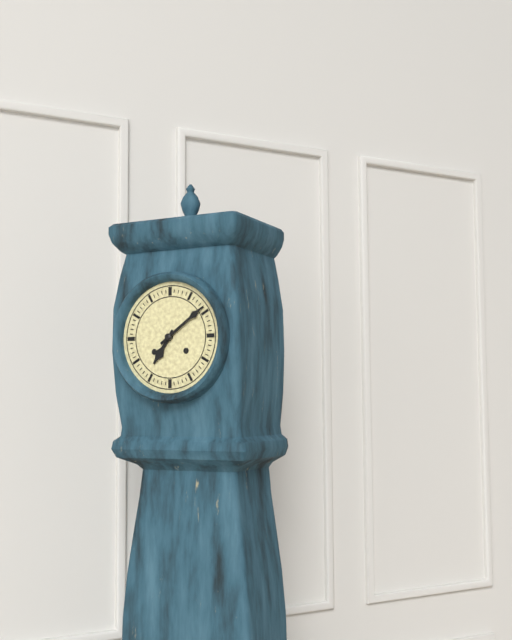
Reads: 7 h 09 min
